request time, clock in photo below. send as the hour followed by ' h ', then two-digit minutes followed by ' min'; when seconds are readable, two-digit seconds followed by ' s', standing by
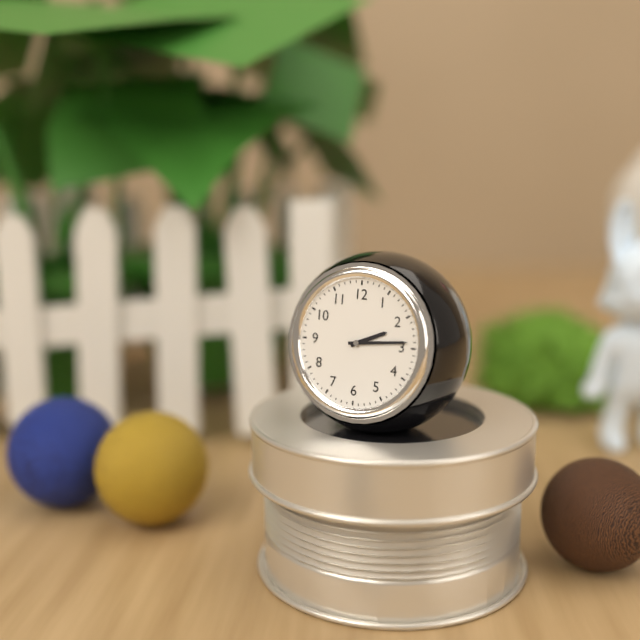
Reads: 2 h 14 min
